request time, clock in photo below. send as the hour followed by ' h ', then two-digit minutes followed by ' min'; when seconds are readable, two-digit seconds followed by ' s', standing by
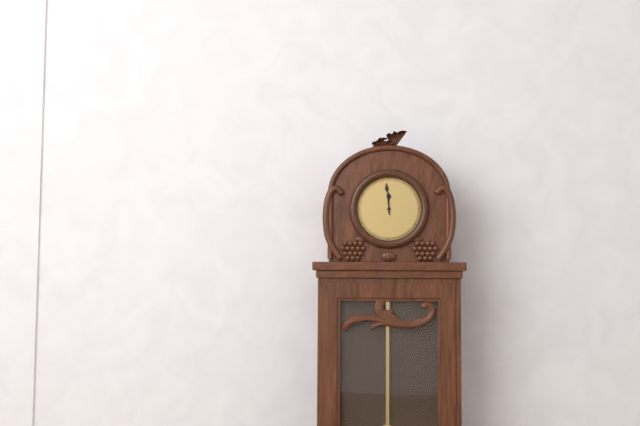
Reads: 11 h 59 min
